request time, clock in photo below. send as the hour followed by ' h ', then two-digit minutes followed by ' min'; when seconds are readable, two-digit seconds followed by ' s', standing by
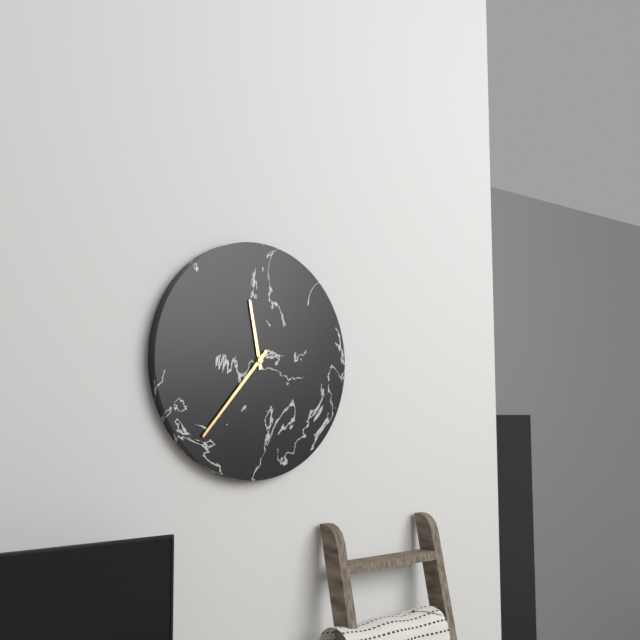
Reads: 11 h 37 min
